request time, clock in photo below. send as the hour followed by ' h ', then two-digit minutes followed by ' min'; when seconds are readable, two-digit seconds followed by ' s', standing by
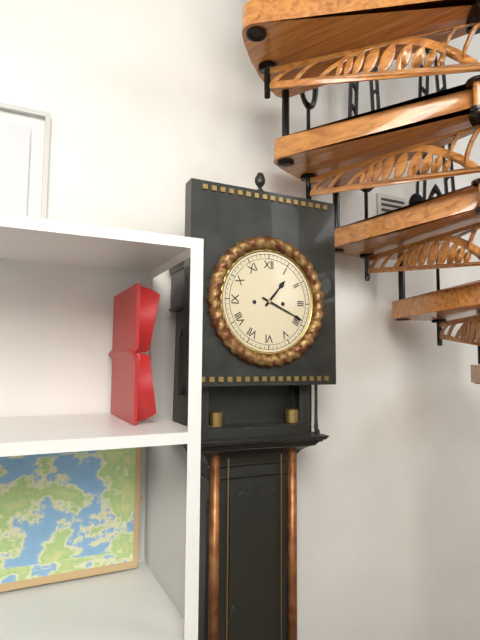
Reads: 1 h 19 min
